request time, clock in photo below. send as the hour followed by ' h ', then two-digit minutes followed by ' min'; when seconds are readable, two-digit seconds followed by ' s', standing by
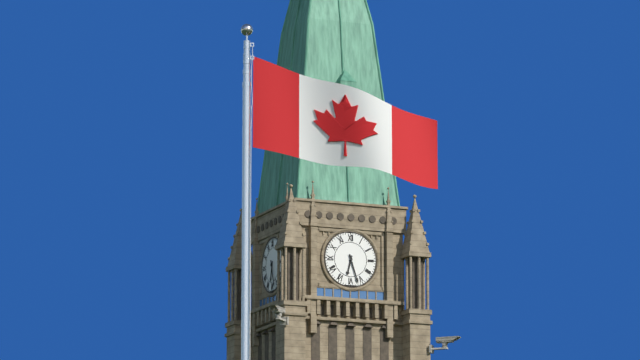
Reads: 6 h 27 min
